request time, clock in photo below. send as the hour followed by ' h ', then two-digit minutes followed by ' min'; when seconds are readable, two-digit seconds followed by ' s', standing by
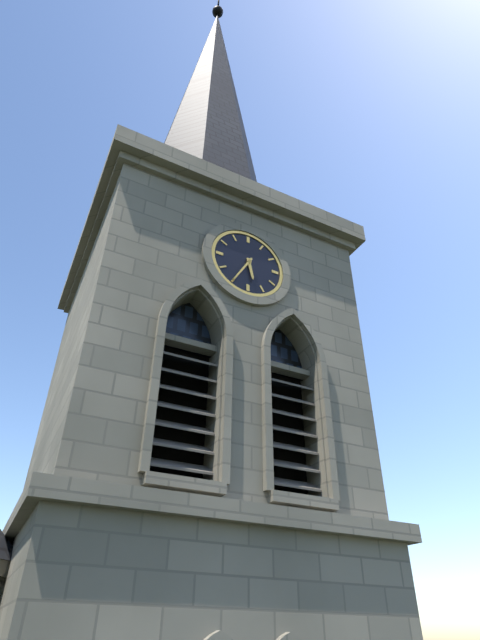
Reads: 5 h 35 min
